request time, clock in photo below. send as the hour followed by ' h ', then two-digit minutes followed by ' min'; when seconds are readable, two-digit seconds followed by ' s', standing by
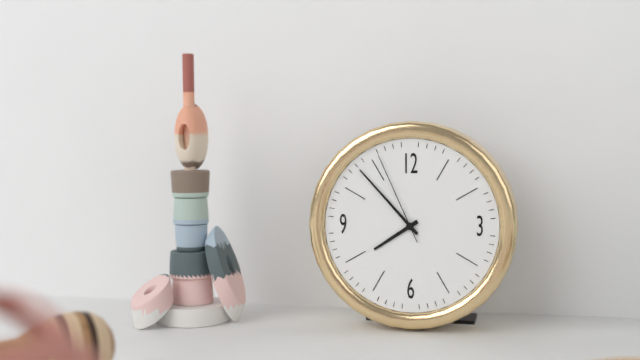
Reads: 7 h 53 min 56 s
